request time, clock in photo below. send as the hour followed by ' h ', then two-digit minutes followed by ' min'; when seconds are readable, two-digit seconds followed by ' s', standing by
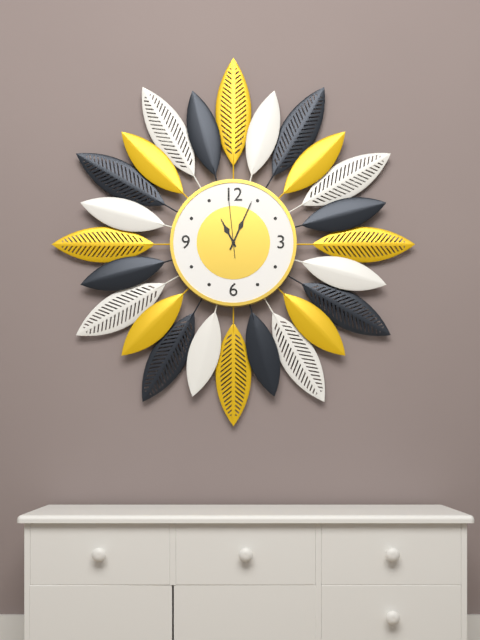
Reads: 11 h 04 min 59 s
